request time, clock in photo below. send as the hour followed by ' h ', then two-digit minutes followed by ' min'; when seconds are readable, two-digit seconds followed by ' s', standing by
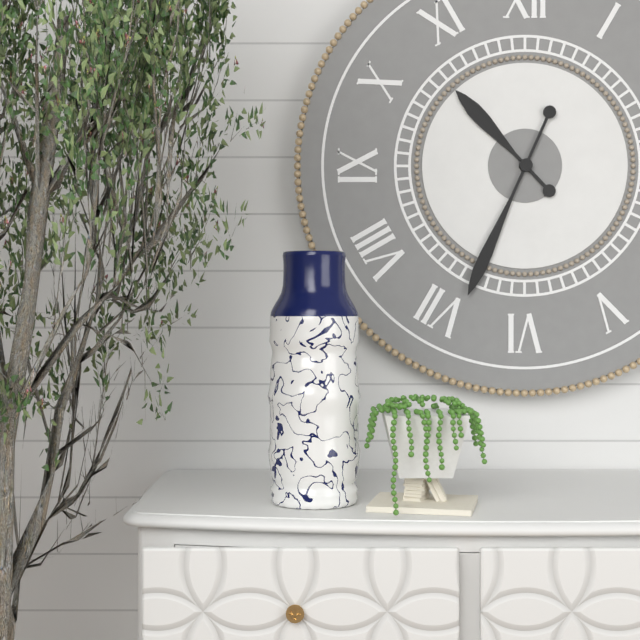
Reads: 10 h 34 min
